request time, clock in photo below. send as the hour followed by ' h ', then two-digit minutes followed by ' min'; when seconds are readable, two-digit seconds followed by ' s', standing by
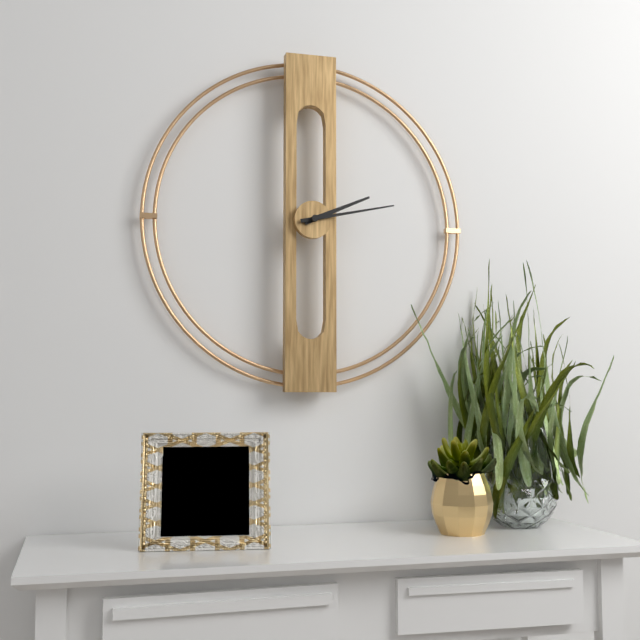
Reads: 2 h 13 min
